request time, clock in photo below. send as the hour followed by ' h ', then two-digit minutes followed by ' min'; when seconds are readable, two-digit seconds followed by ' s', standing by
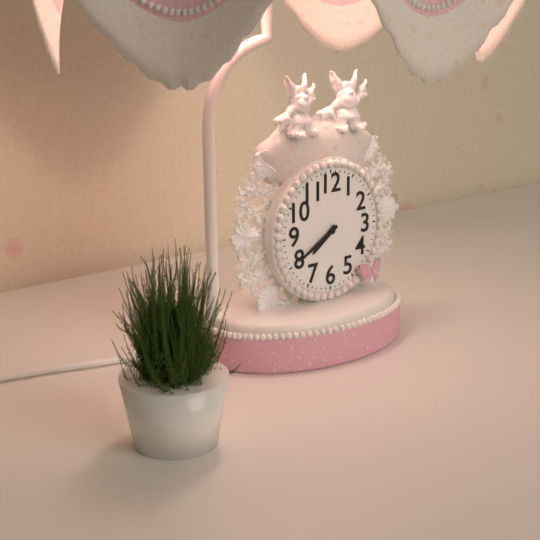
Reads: 7 h 40 min
